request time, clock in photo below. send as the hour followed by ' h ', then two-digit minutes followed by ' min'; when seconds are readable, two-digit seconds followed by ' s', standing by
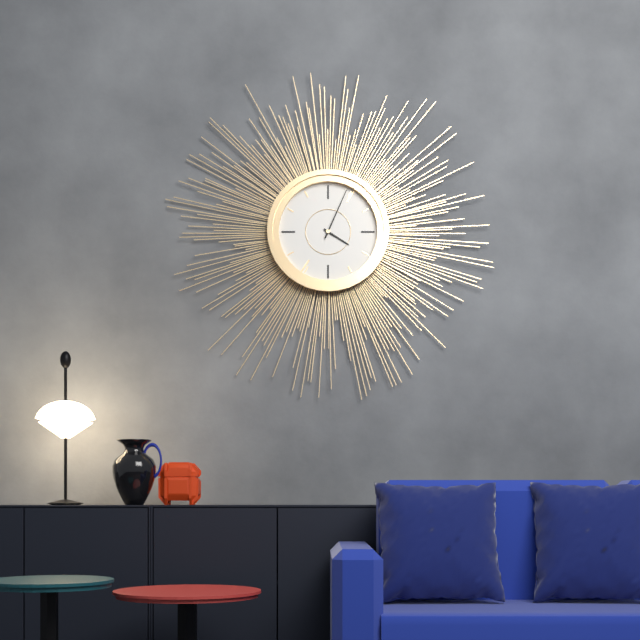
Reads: 4 h 04 min
